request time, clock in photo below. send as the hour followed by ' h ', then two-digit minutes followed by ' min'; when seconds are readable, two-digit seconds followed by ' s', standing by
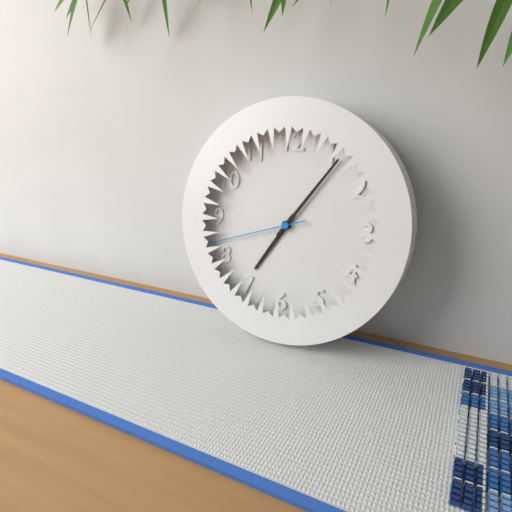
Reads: 7 h 06 min 42 s
